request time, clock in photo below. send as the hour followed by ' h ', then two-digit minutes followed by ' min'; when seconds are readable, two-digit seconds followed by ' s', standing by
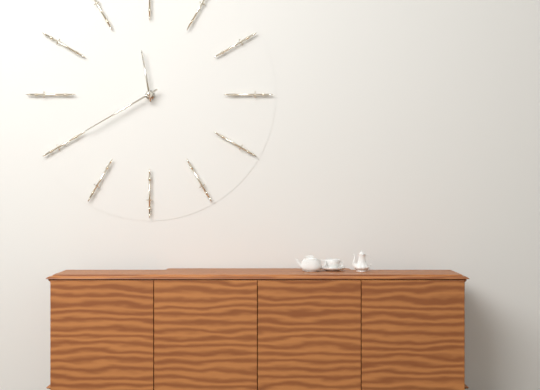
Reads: 11 h 40 min
